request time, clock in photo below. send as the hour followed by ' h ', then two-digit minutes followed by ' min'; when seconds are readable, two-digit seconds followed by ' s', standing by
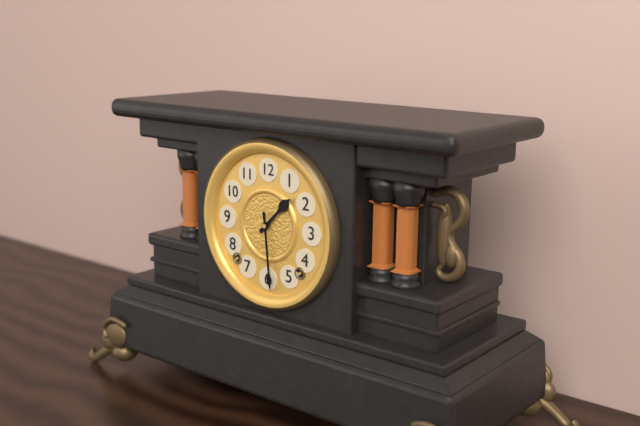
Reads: 1 h 29 min
